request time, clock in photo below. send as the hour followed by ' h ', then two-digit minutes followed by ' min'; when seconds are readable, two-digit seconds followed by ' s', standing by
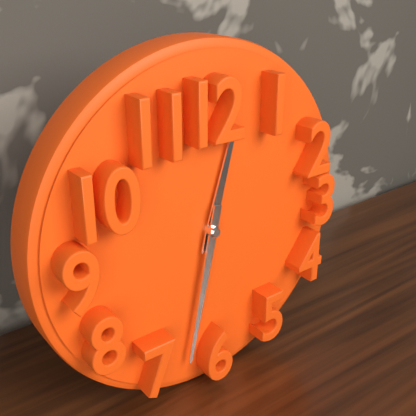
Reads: 12 h 32 min
